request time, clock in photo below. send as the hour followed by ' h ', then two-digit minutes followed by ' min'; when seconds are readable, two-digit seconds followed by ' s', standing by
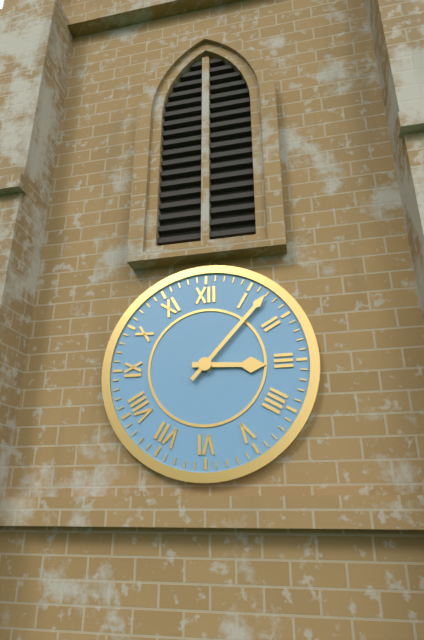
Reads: 3 h 07 min
